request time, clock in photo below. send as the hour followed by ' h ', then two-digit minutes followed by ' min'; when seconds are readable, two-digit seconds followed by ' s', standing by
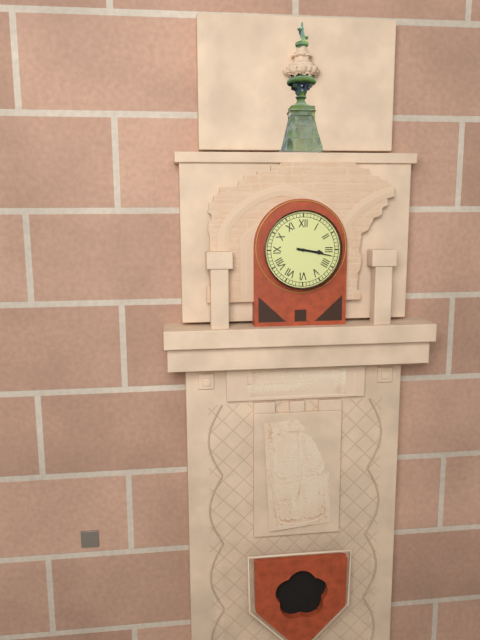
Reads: 3 h 17 min
